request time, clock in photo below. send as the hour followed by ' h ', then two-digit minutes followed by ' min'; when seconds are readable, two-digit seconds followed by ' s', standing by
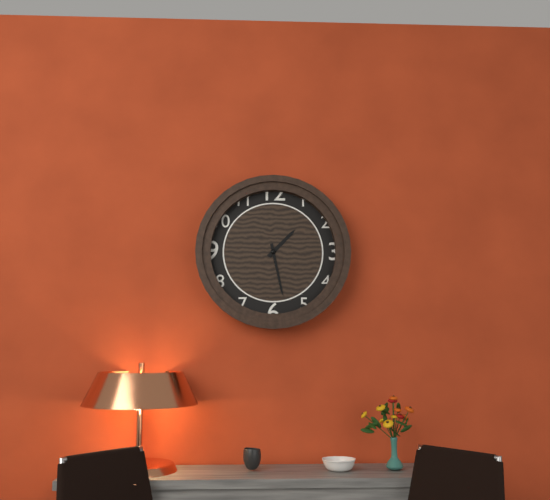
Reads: 1 h 28 min
